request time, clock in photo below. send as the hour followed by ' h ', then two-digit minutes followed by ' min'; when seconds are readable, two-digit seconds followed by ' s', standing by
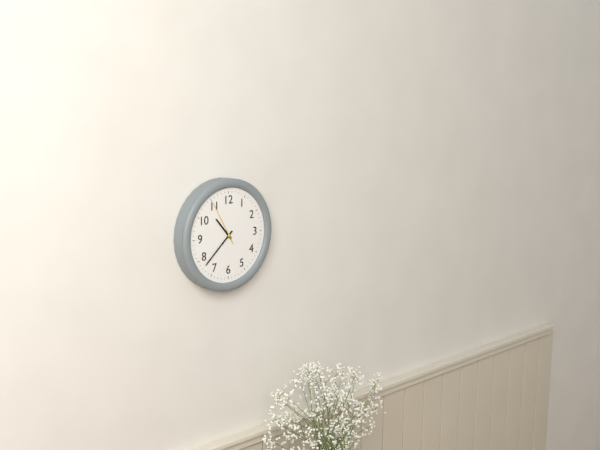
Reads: 10 h 38 min
